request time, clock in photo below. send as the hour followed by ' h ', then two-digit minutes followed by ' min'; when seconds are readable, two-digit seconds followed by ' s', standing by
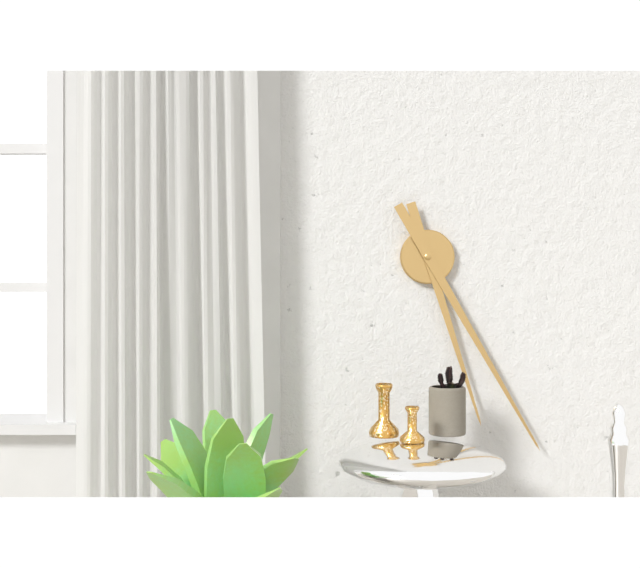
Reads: 5 h 25 min
